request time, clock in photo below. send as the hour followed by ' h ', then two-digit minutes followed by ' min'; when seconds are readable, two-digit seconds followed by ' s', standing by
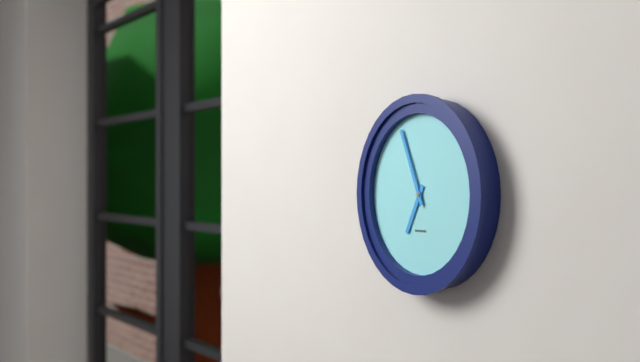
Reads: 6 h 56 min
